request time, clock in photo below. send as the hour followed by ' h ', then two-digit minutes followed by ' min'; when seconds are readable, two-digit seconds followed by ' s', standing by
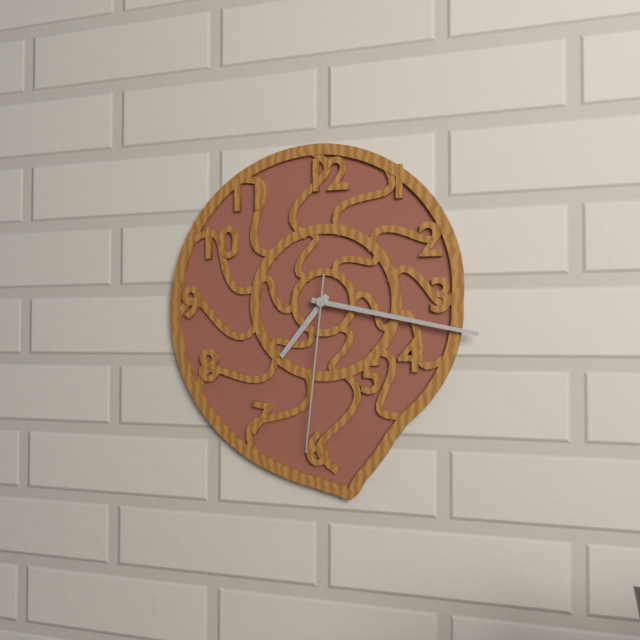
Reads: 7 h 17 min 31 s
